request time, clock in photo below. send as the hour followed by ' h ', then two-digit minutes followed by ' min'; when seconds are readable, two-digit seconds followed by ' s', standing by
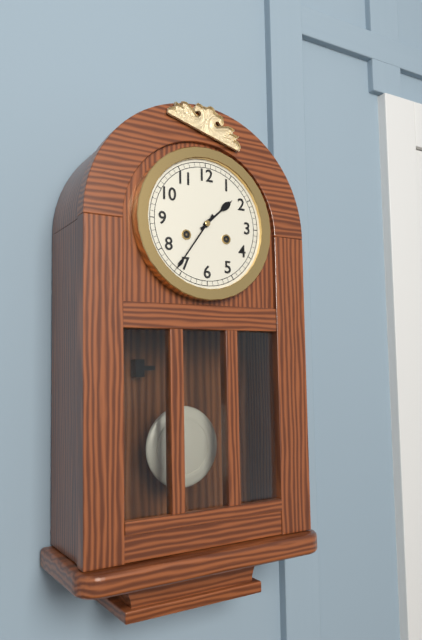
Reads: 1 h 36 min
